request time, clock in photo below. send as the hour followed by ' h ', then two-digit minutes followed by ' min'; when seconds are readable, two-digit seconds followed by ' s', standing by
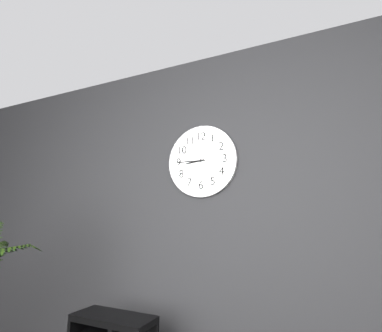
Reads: 8 h 45 min
